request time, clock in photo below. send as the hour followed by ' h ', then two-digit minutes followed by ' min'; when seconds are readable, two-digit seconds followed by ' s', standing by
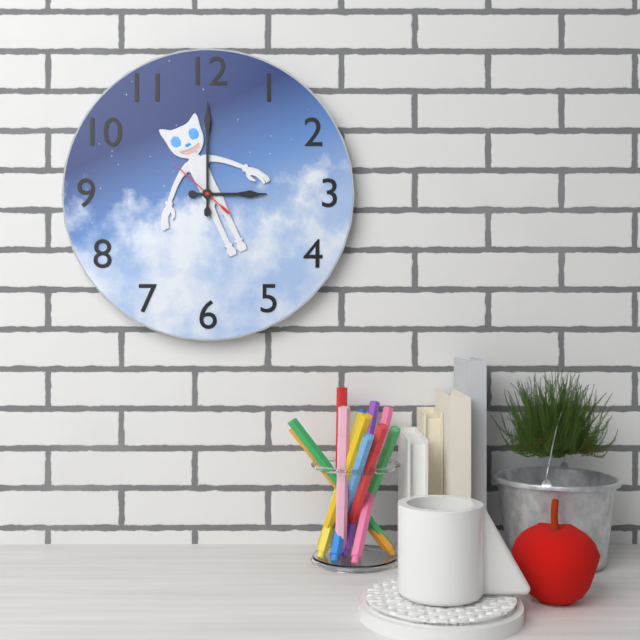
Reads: 3 h 00 min 52 s
